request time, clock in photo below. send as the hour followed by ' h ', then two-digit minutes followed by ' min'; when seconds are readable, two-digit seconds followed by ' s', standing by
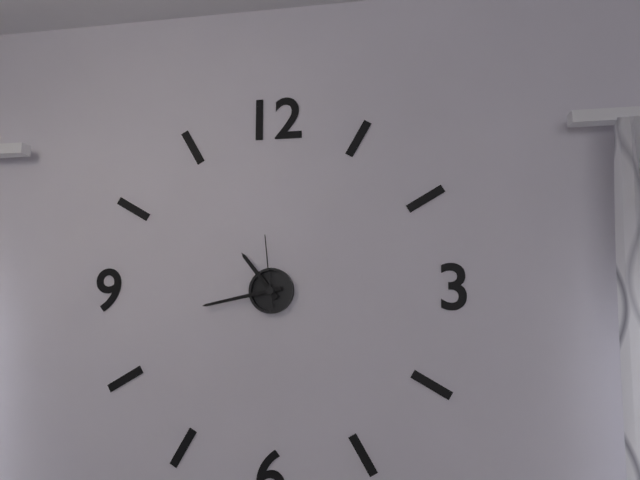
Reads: 10 h 43 min 59 s
